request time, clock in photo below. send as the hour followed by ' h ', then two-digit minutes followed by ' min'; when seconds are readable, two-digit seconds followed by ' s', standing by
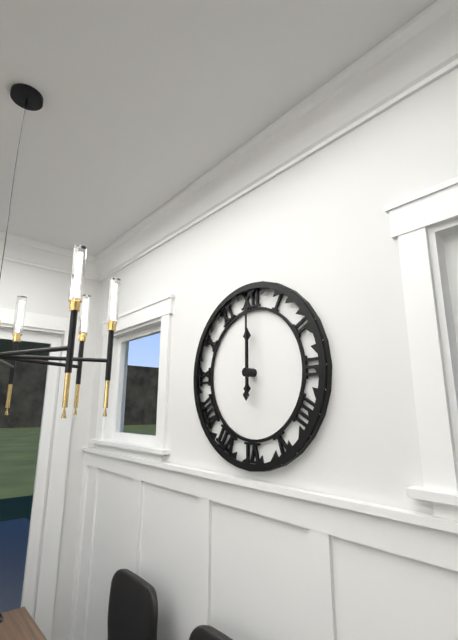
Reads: 12 h 00 min
